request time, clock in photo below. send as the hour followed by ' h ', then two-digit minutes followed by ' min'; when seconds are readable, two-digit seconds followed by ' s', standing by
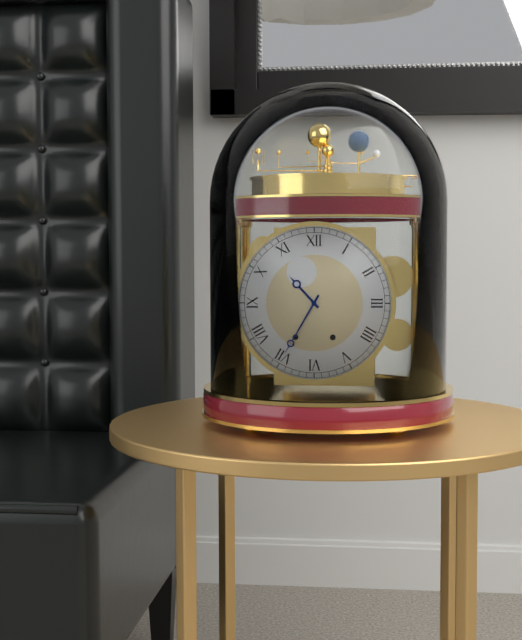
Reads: 10 h 35 min
